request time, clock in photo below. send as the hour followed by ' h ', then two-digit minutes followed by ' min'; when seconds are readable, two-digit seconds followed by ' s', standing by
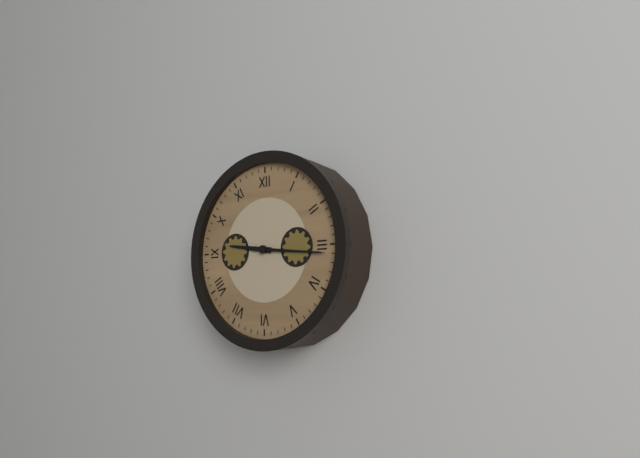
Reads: 9 h 16 min
